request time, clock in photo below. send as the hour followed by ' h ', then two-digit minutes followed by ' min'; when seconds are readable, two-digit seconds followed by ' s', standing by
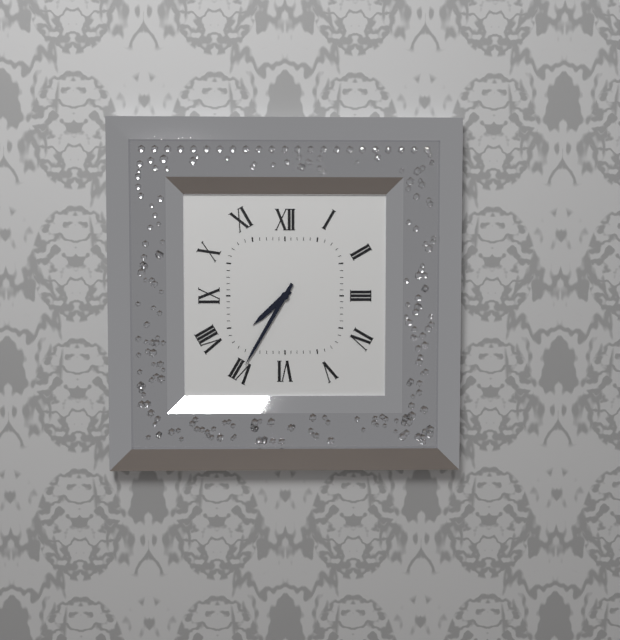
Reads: 7 h 35 min
